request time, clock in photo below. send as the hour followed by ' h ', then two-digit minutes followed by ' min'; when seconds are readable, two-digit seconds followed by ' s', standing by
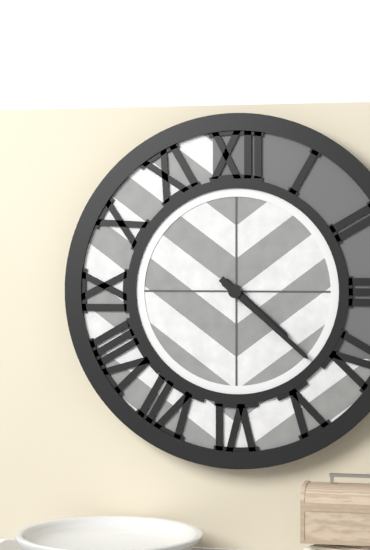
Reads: 4 h 22 min
